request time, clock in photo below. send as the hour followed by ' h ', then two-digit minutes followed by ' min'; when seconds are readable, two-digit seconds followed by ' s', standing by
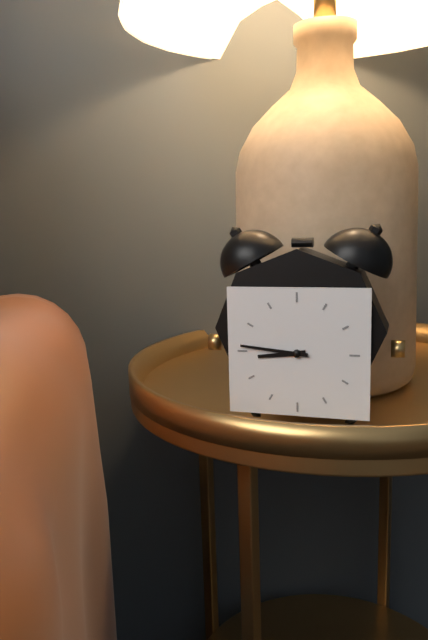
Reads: 8 h 46 min
